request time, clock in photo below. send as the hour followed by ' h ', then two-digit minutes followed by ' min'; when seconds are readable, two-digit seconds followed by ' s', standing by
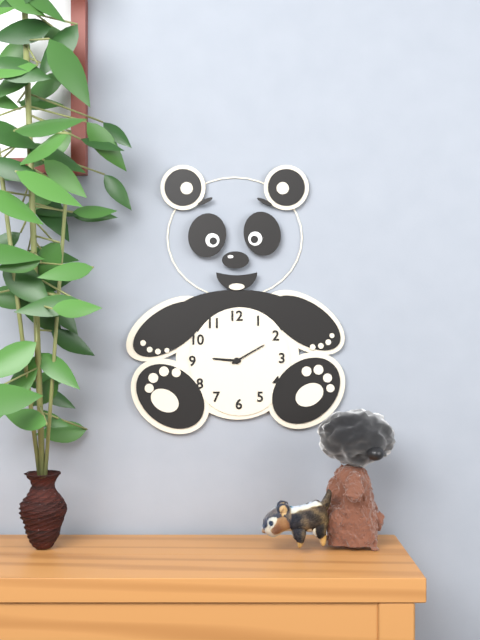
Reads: 9 h 10 min
